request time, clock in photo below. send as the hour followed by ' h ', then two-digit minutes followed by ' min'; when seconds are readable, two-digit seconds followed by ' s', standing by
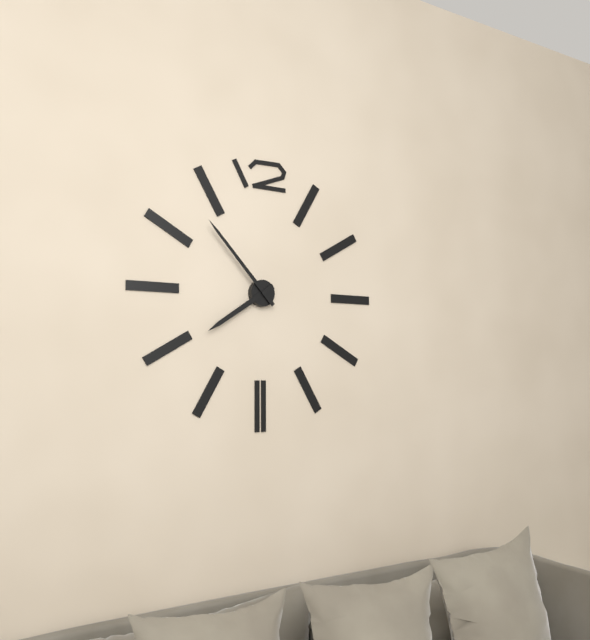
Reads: 7 h 53 min
